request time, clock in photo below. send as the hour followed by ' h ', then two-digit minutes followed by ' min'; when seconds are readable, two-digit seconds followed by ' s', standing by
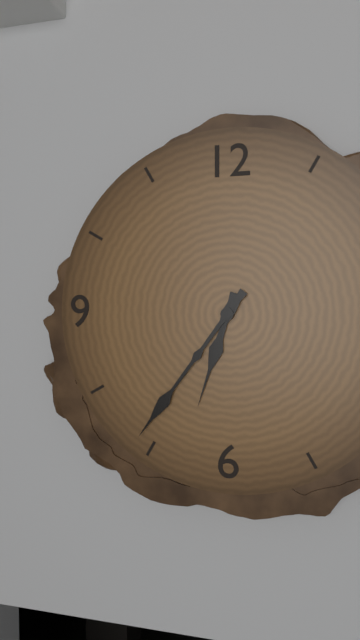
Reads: 6 h 36 min
